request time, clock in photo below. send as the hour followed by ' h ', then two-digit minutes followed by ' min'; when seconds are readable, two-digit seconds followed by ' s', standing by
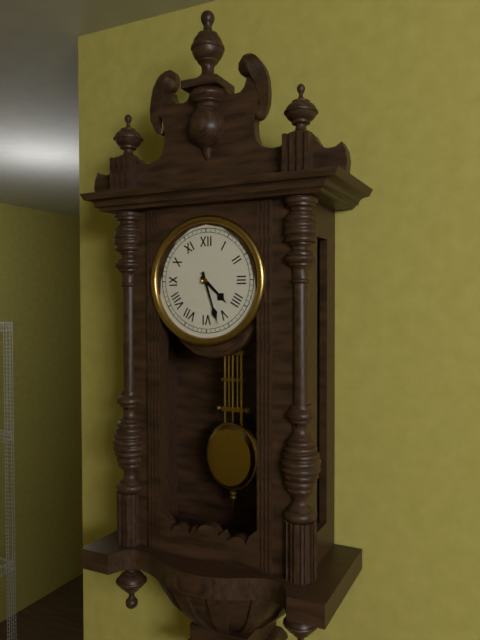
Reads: 4 h 27 min
